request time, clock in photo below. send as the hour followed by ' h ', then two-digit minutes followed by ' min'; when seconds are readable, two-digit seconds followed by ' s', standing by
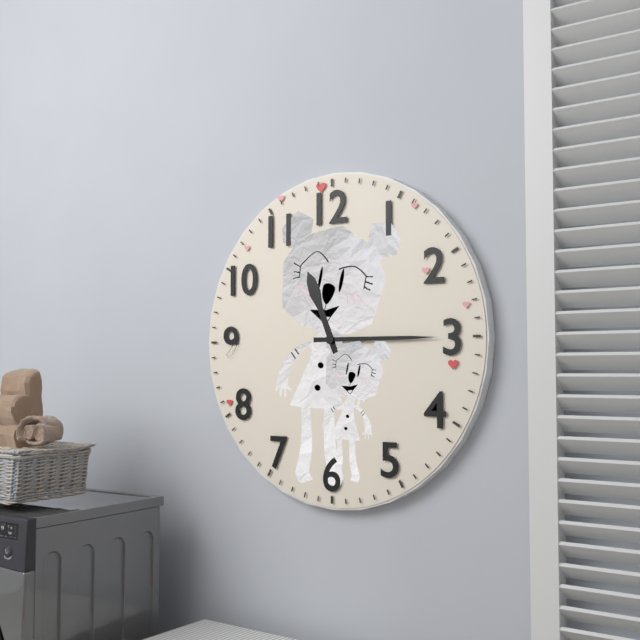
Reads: 11 h 15 min
